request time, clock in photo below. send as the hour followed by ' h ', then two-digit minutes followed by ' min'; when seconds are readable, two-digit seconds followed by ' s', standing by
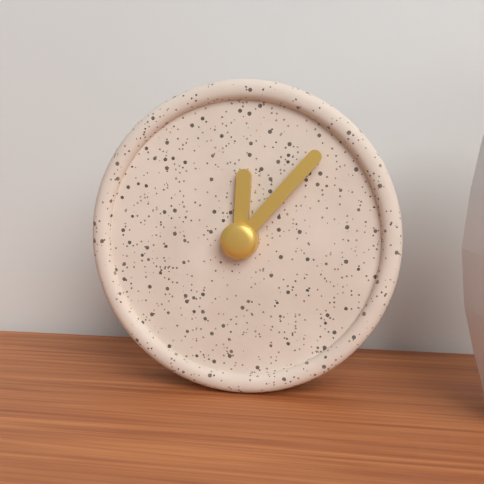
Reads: 12 h 07 min
